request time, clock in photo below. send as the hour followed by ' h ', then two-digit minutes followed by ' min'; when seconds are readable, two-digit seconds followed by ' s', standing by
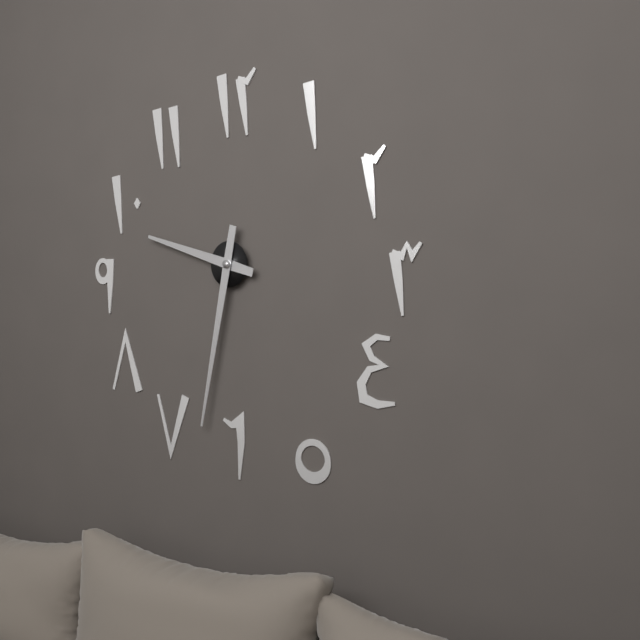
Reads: 9 h 32 min
